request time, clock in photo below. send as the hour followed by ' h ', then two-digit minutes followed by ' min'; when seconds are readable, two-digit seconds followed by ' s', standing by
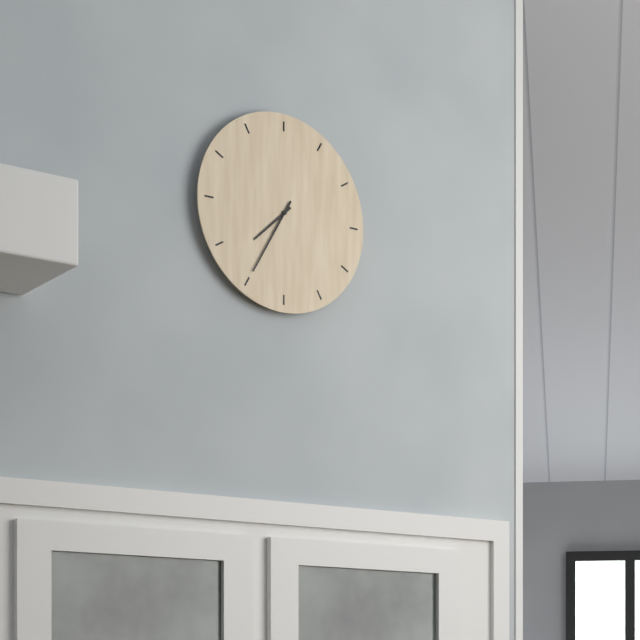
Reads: 7 h 35 min
